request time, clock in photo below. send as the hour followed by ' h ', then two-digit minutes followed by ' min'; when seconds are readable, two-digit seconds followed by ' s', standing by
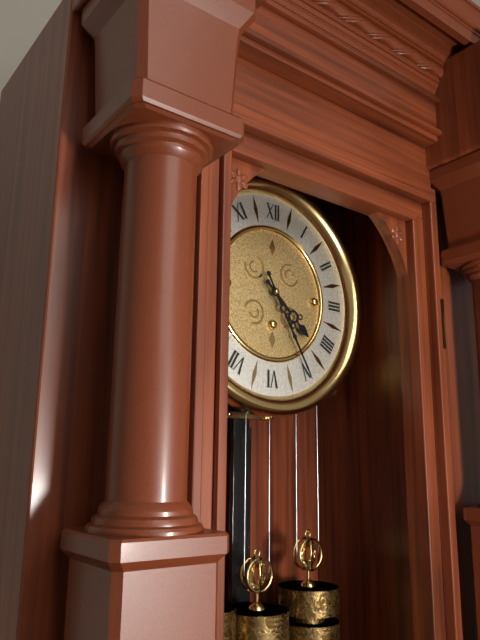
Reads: 4 h 25 min
